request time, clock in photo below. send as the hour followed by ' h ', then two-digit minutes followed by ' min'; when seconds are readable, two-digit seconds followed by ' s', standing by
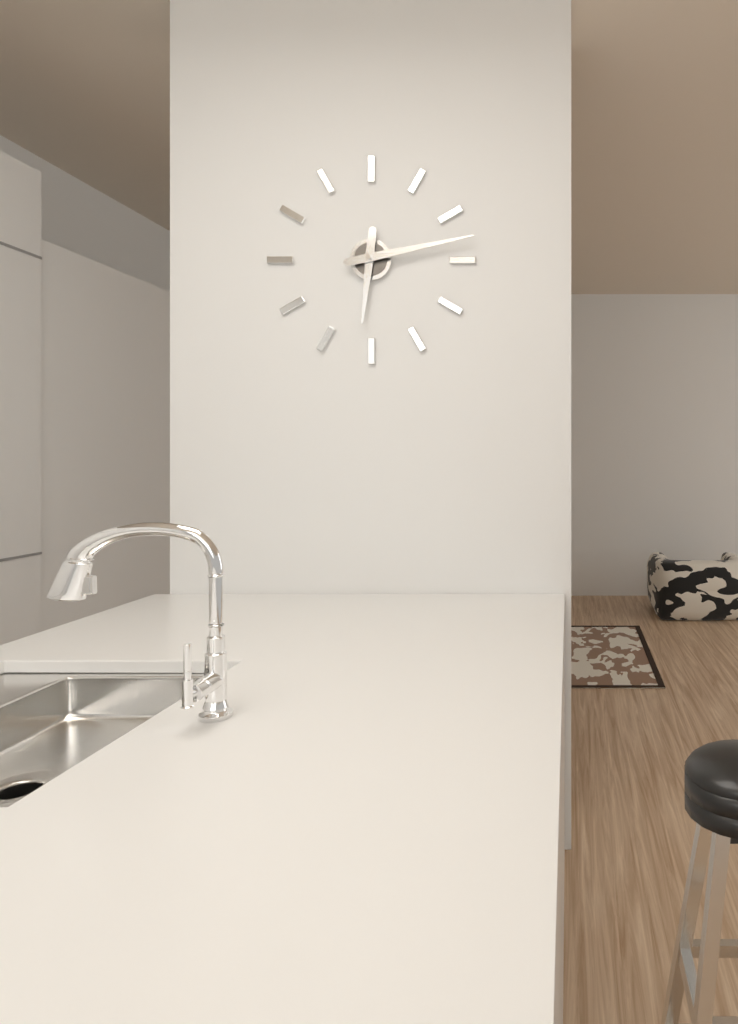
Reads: 6 h 13 min
